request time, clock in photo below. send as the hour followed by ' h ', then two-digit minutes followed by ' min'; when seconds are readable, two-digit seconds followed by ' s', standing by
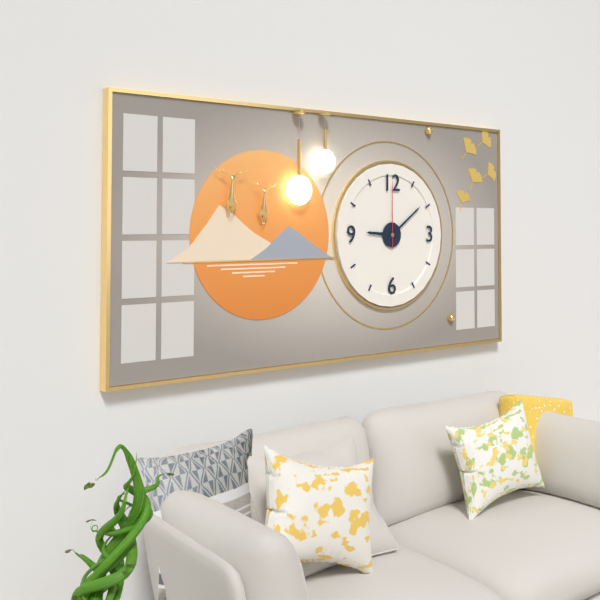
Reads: 9 h 09 min 00 s
